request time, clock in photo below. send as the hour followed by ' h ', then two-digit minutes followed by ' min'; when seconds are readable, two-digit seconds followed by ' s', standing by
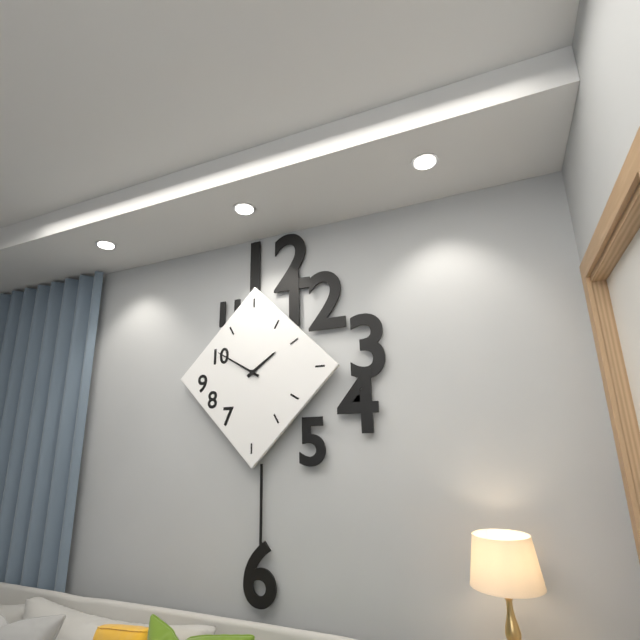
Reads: 1 h 50 min
